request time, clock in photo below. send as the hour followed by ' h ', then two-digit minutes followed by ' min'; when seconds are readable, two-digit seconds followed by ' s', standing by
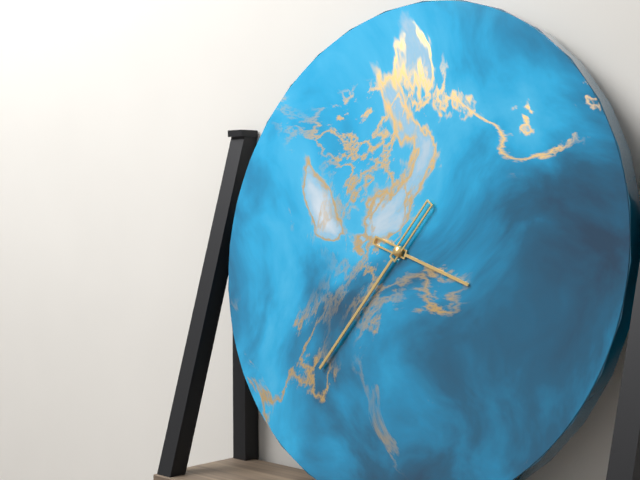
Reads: 3 h 36 min
